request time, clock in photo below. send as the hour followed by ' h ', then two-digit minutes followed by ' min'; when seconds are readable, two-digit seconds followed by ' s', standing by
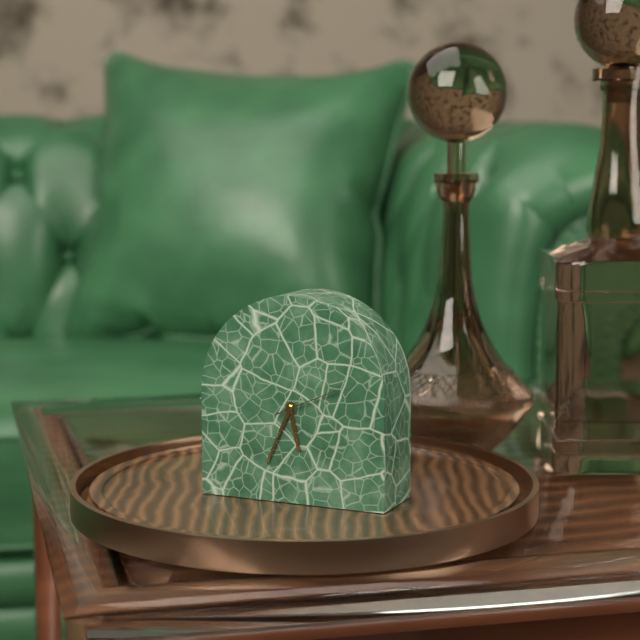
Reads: 5 h 34 min 11 s
